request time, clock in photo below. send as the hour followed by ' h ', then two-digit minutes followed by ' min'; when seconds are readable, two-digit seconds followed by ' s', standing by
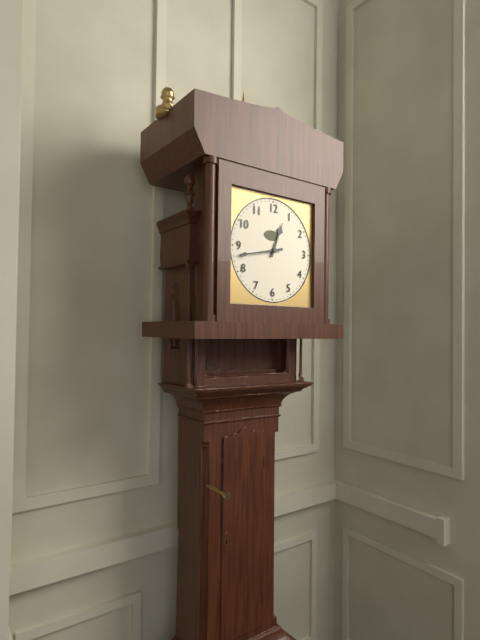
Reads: 12 h 43 min
